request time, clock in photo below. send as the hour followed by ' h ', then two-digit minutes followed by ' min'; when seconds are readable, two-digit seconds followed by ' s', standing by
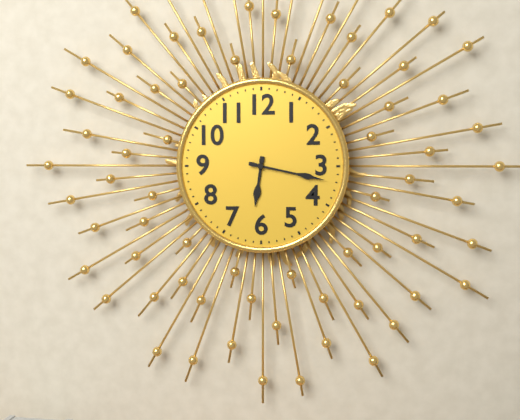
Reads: 6 h 17 min
